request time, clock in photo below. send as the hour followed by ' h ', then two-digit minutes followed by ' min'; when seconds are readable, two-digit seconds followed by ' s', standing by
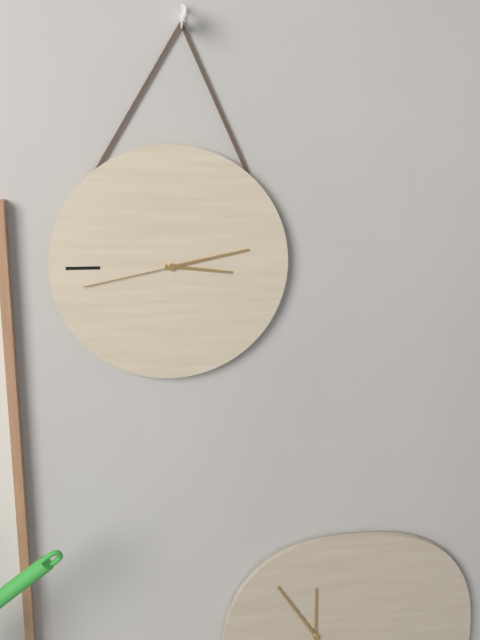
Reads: 3 h 13 min 43 s
